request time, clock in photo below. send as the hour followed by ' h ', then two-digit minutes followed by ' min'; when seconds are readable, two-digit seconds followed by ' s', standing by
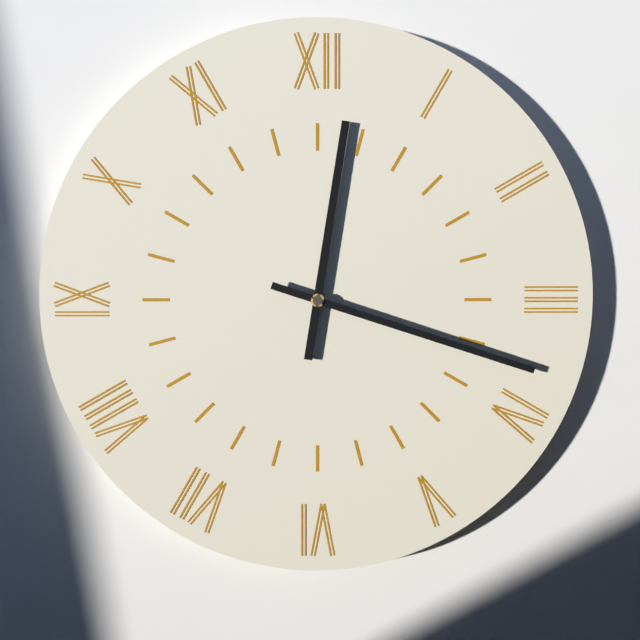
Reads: 12 h 18 min
